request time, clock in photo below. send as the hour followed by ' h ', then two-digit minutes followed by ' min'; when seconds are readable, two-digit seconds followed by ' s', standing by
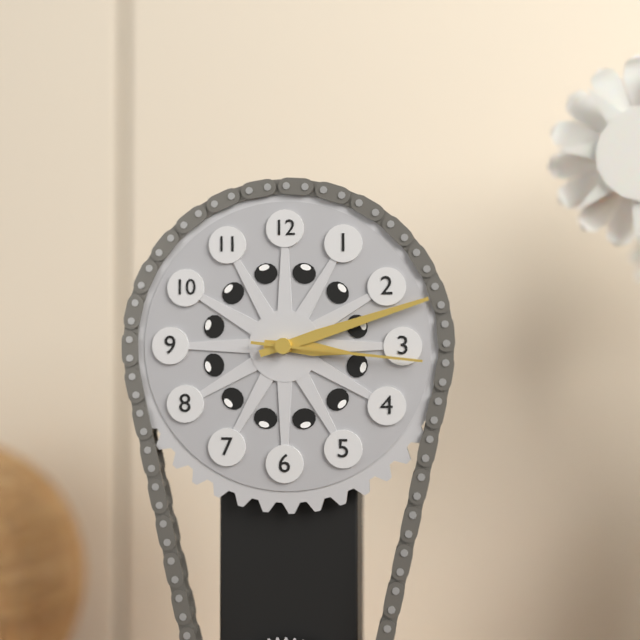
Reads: 3 h 12 min 16 s
